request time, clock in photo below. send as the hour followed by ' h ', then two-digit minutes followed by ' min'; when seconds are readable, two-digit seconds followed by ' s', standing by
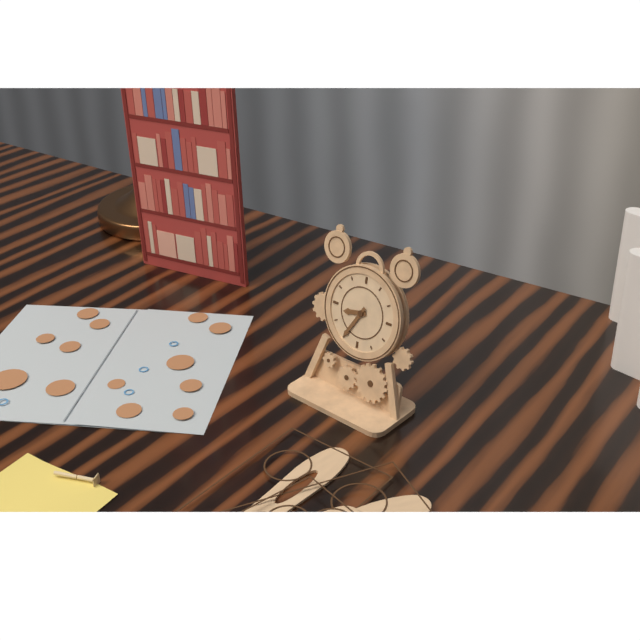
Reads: 8 h 35 min
